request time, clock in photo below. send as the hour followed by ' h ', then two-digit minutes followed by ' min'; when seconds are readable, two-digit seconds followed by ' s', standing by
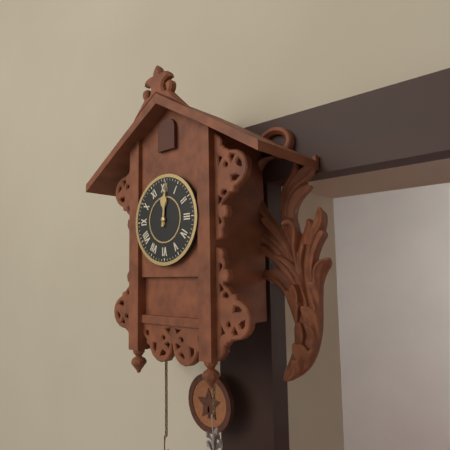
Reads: 12 h 01 min
